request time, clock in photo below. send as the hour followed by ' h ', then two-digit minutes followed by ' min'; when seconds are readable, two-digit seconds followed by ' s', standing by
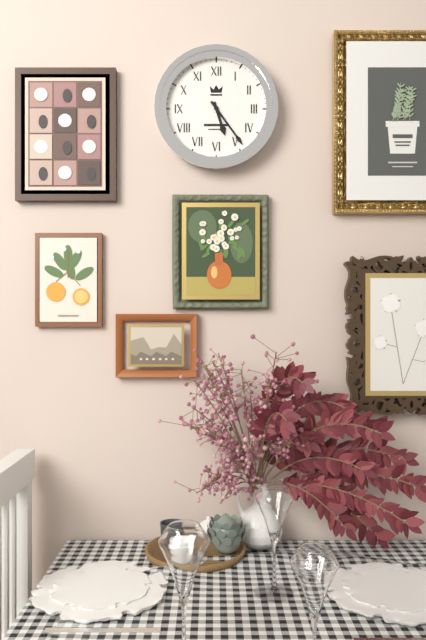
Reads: 5 h 24 min
